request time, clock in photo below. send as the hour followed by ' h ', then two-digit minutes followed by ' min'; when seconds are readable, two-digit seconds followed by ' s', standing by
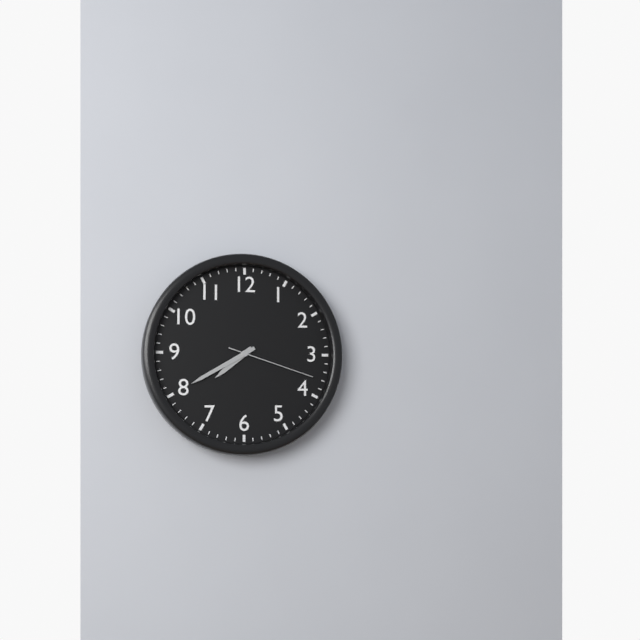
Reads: 7 h 40 min 18 s
